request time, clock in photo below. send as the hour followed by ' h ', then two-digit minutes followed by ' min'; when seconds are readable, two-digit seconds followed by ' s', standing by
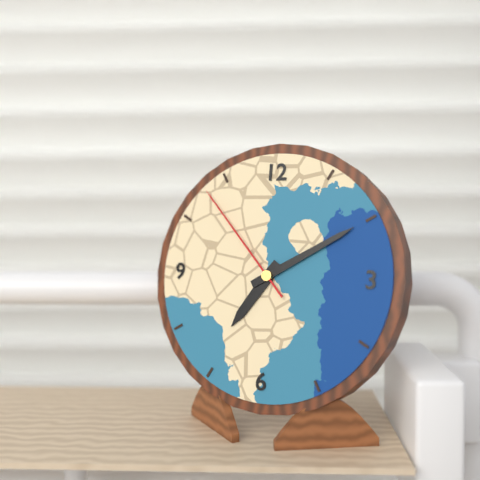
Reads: 7 h 10 min 53 s
